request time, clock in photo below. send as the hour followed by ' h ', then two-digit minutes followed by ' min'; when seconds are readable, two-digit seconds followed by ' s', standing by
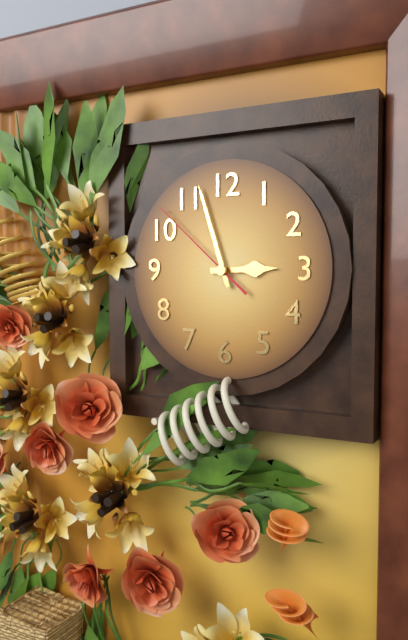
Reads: 2 h 57 min 52 s
